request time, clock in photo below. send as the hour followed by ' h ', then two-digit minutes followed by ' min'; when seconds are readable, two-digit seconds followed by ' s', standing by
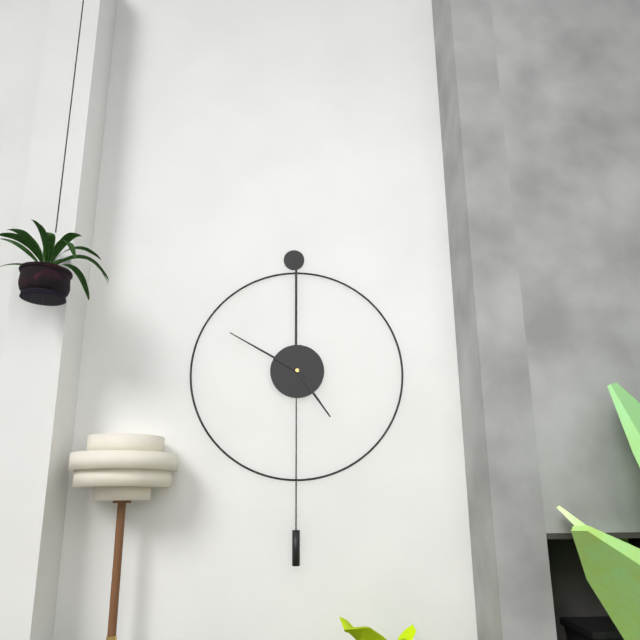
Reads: 4 h 50 min
